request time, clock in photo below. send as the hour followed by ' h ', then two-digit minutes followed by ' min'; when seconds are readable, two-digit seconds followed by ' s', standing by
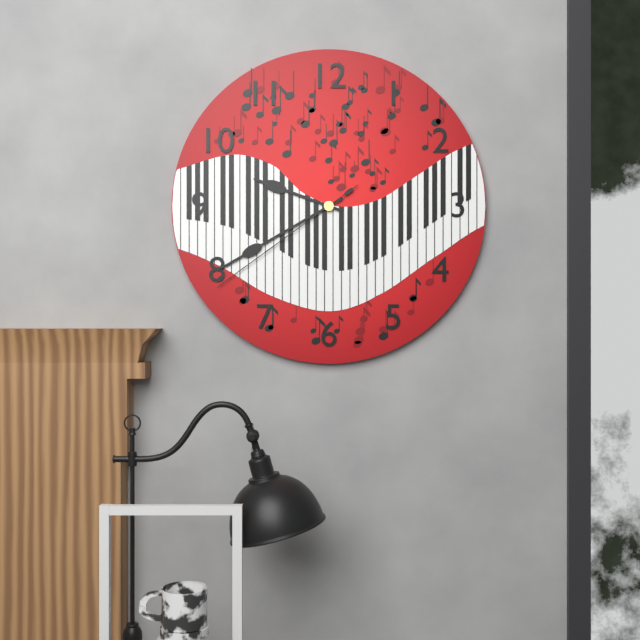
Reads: 9 h 40 min 39 s
